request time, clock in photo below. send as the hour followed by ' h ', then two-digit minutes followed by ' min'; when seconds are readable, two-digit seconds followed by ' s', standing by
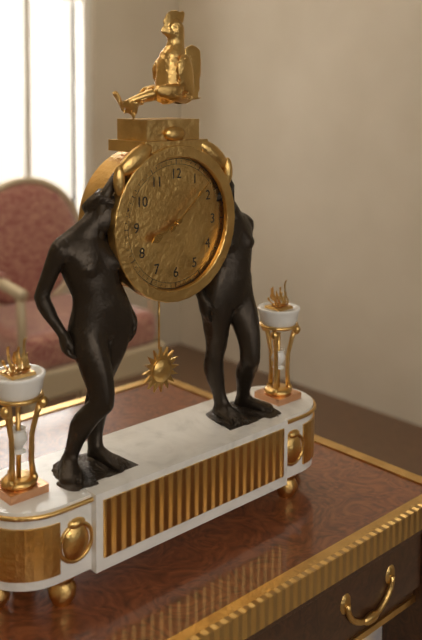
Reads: 8 h 08 min
